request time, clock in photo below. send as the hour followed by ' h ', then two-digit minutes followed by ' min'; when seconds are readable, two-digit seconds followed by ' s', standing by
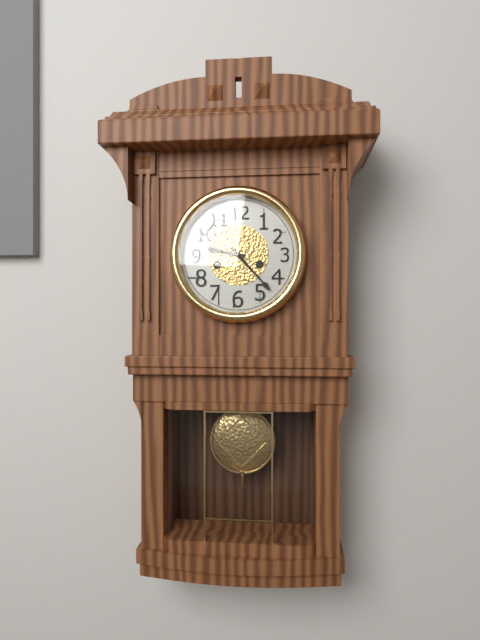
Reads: 9 h 23 min
